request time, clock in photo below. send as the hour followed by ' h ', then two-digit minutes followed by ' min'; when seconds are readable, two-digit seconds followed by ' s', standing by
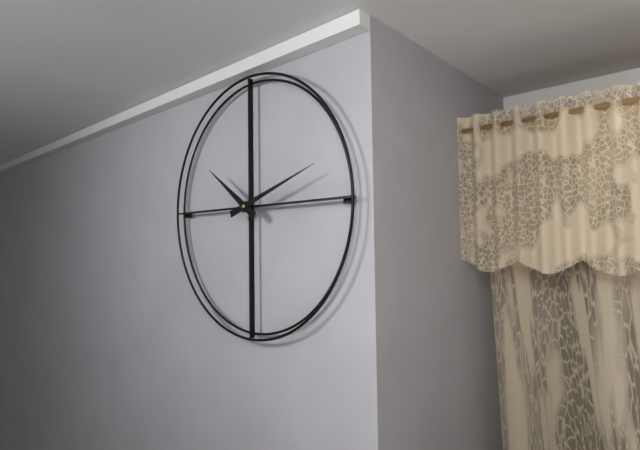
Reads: 10 h 12 min
